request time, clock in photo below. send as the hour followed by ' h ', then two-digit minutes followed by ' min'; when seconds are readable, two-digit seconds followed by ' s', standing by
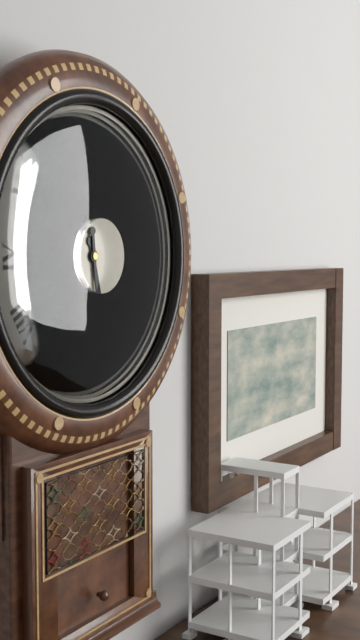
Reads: 5 h 29 min
